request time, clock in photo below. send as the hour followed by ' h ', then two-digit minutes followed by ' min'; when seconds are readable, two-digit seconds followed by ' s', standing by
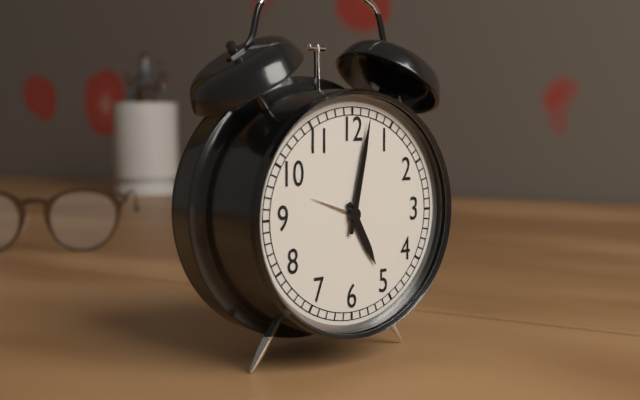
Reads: 5 h 02 min
